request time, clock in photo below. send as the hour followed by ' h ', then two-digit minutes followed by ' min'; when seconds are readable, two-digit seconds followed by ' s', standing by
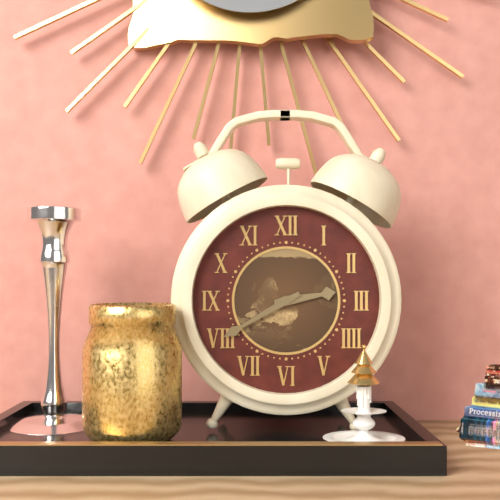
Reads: 2 h 40 min
